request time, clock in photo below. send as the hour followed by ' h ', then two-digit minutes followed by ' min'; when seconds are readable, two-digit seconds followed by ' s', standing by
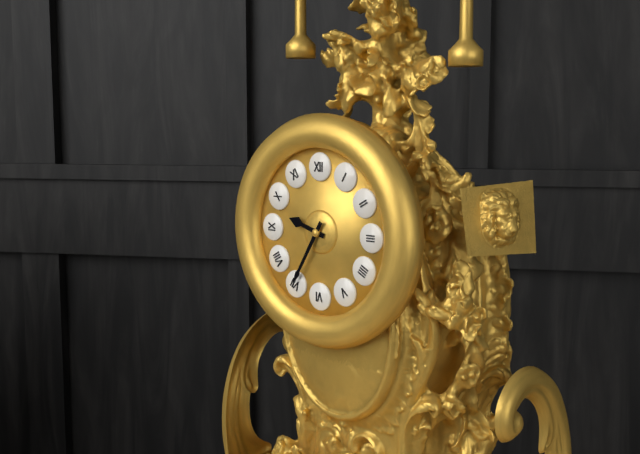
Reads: 9 h 35 min
